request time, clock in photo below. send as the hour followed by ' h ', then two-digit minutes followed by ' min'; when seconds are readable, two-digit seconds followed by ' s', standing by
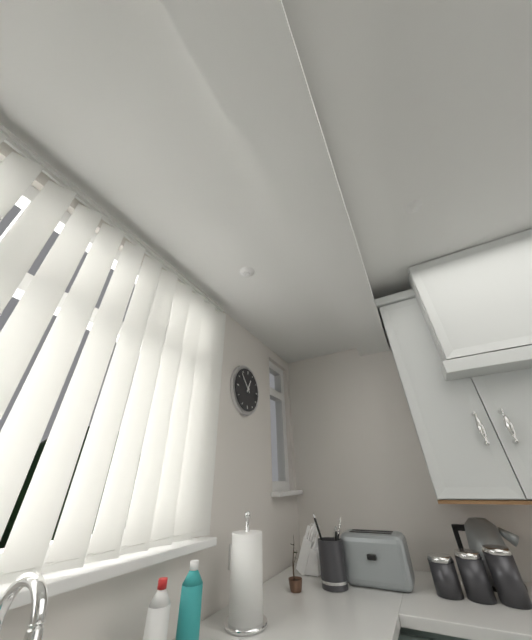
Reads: 12 h 53 min
